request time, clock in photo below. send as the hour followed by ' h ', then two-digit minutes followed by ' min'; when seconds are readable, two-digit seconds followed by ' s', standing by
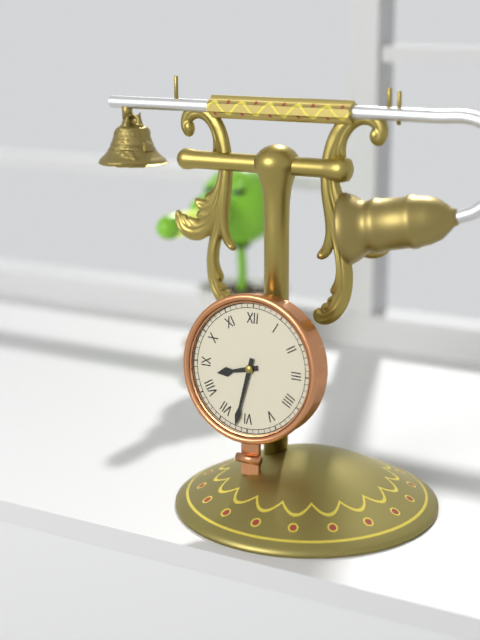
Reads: 8 h 32 min
